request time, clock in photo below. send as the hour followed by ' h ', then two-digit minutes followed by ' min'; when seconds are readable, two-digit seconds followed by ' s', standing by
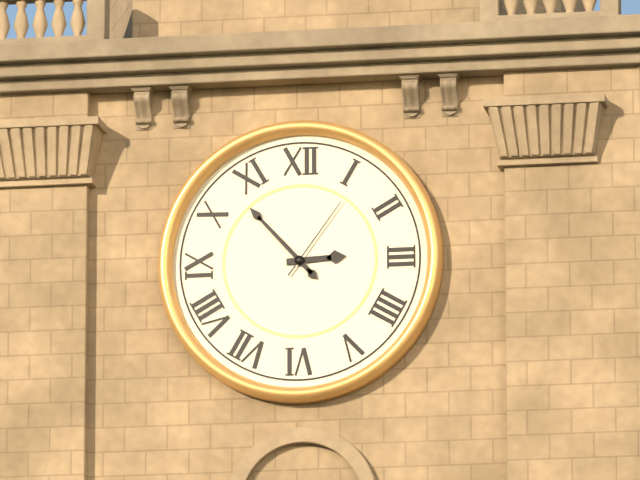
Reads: 2 h 53 min 06 s
